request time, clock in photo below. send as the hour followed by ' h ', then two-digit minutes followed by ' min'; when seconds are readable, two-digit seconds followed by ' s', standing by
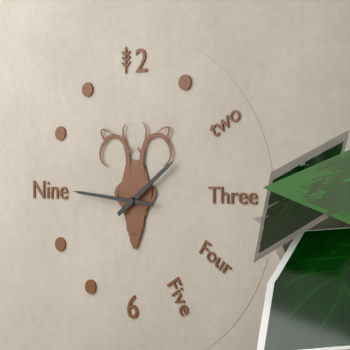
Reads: 1 h 46 min
